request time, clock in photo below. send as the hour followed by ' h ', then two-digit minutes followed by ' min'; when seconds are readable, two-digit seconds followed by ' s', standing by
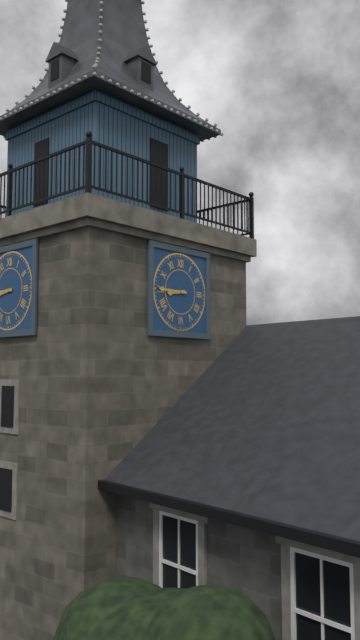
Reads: 8 h 45 min
